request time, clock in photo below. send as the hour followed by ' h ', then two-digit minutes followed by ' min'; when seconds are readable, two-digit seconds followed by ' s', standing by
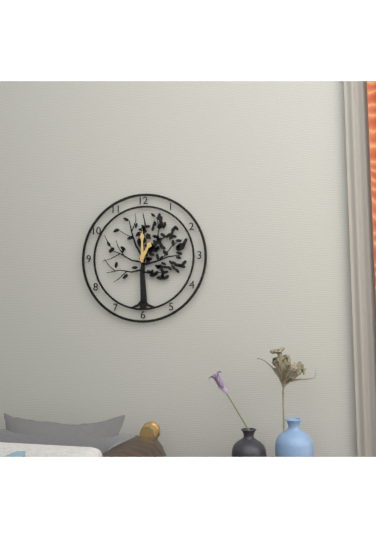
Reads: 1 h 00 min
